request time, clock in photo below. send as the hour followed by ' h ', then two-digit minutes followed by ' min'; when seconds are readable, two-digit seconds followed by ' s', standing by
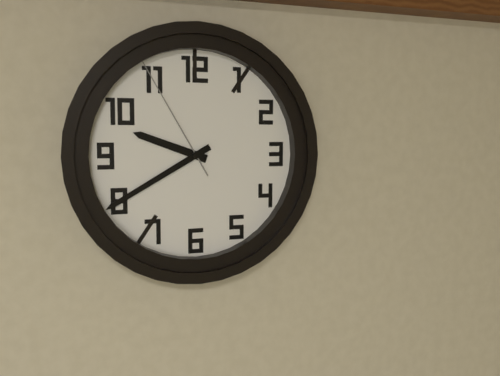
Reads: 9 h 40 min 55 s
